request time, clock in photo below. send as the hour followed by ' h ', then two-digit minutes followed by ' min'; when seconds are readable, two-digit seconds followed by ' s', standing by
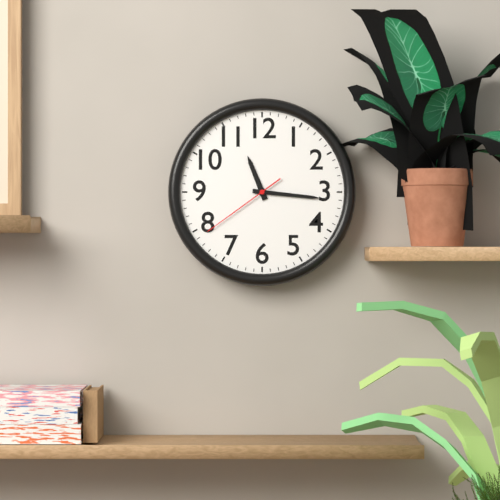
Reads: 11 h 16 min 39 s
